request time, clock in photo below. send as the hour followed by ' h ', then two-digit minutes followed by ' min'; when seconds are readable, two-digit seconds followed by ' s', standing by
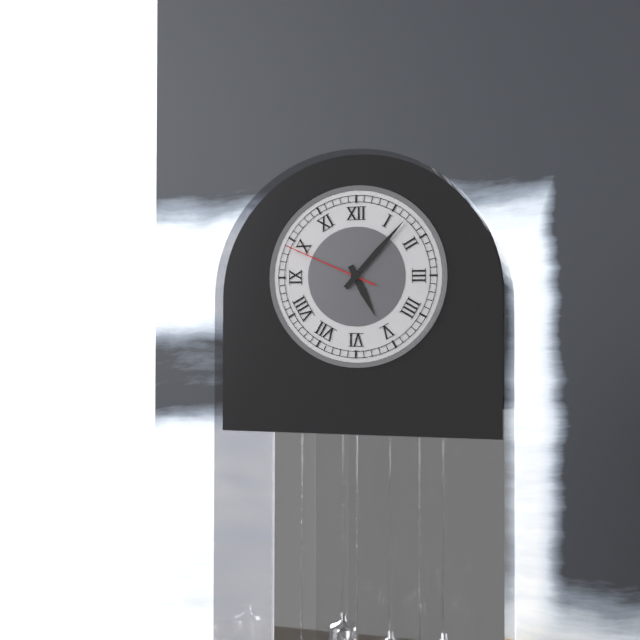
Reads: 5 h 07 min 49 s
